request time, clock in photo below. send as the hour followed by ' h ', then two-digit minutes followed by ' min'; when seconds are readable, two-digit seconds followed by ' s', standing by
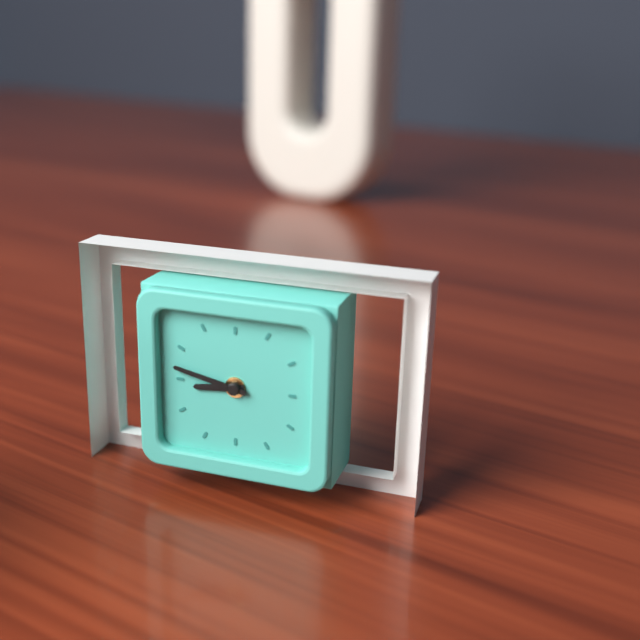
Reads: 8 h 47 min
